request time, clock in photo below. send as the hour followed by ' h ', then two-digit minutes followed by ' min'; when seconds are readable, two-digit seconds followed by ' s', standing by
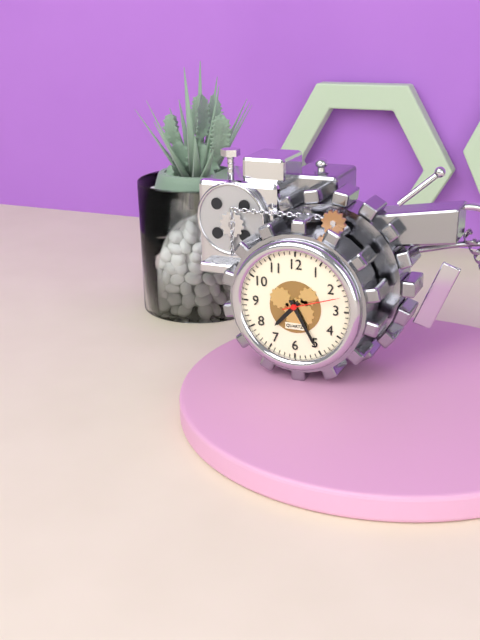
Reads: 7 h 25 min 12 s
